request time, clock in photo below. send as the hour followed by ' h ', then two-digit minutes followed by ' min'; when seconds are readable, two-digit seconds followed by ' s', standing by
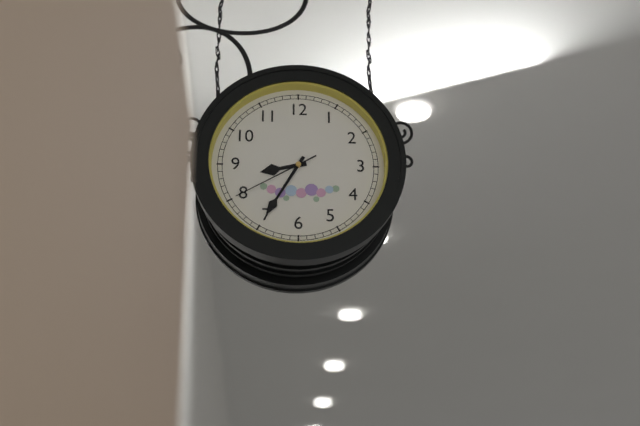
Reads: 8 h 35 min 40 s
